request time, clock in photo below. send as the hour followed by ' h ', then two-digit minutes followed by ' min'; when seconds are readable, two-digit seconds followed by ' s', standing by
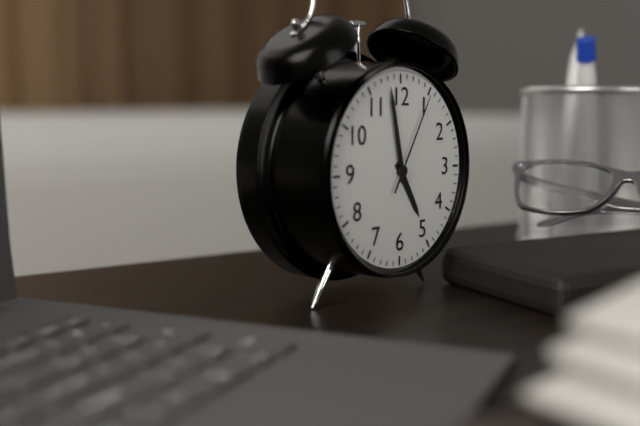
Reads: 4 h 58 min 05 s
